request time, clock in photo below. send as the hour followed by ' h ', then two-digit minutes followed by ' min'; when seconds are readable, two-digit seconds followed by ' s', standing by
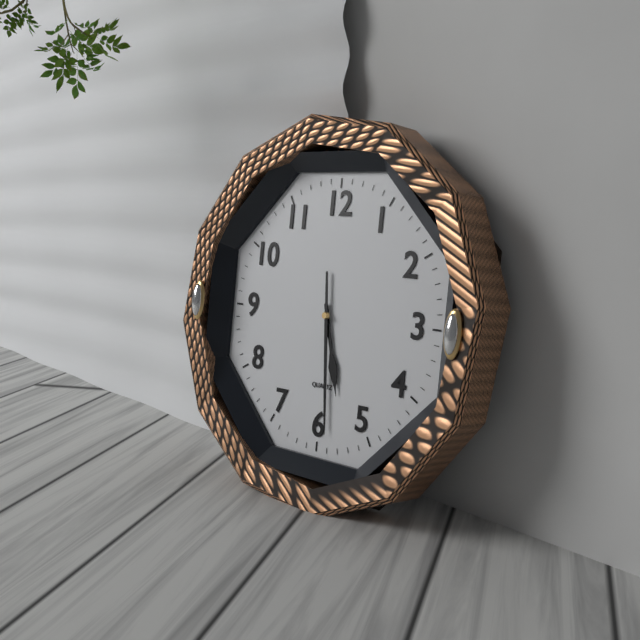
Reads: 5 h 29 min
